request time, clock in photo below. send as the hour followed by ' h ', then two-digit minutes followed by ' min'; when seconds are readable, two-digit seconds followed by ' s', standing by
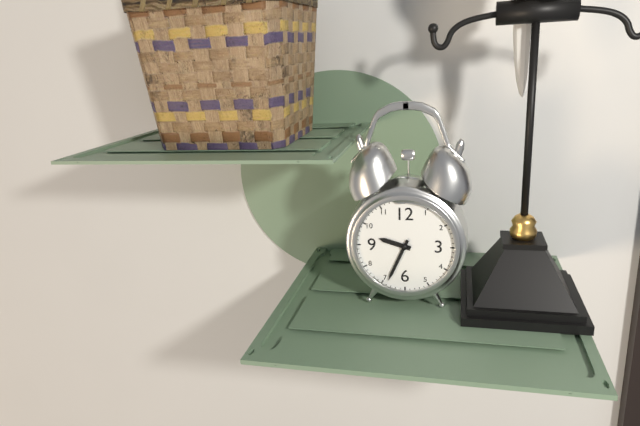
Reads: 9 h 34 min
